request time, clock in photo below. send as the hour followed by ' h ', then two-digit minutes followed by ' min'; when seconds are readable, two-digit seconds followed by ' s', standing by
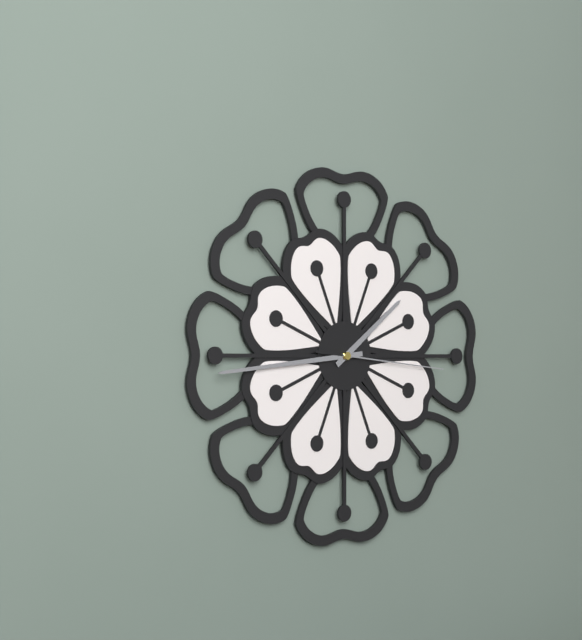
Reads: 1 h 44 min 16 s
